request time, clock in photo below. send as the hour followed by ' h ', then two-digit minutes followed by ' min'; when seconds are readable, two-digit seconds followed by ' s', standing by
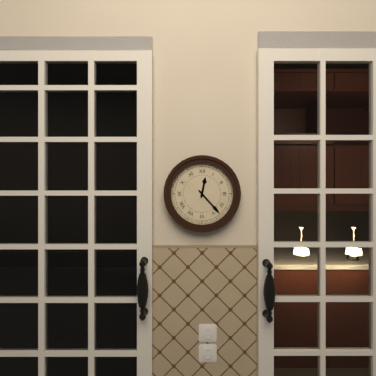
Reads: 12 h 23 min
